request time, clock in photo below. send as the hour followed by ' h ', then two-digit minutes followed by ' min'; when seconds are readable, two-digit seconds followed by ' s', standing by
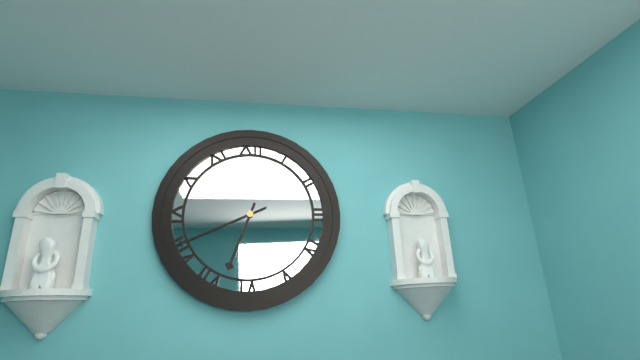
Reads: 6 h 41 min
